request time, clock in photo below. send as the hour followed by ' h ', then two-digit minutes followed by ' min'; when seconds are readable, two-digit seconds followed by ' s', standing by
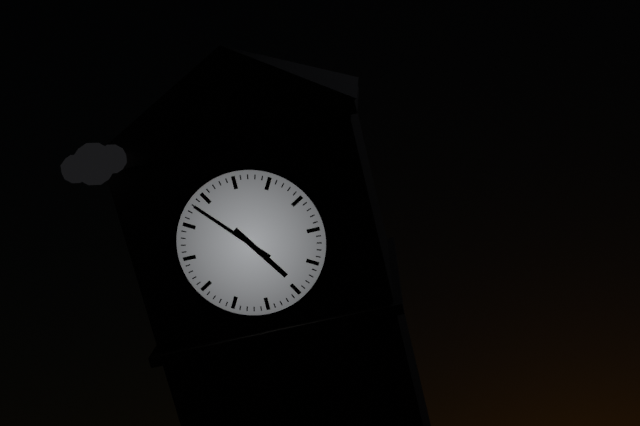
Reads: 4 h 53 min
